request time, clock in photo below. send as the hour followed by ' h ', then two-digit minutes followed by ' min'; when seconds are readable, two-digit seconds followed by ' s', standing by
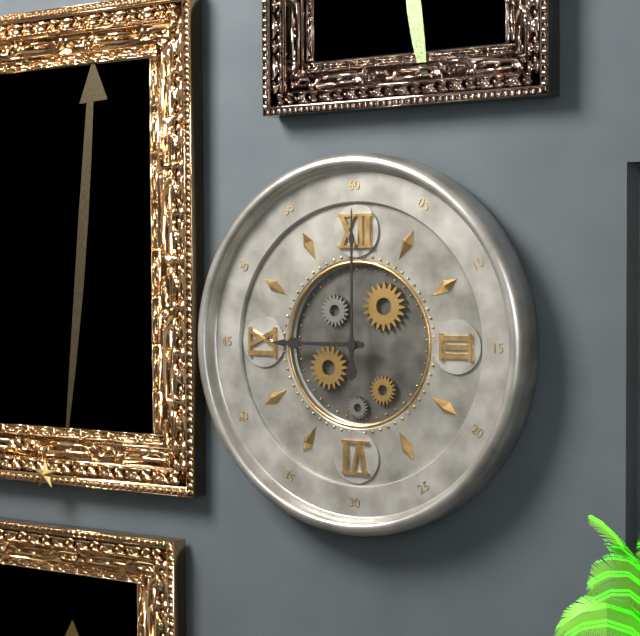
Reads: 9 h 00 min
